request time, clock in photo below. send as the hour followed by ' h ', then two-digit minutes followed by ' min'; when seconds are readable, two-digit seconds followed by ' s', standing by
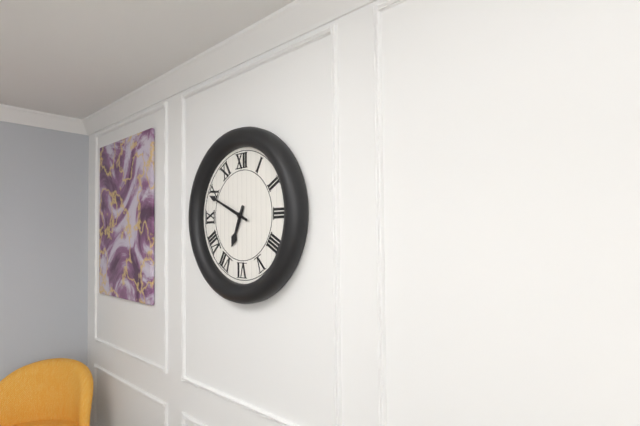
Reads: 6 h 49 min
